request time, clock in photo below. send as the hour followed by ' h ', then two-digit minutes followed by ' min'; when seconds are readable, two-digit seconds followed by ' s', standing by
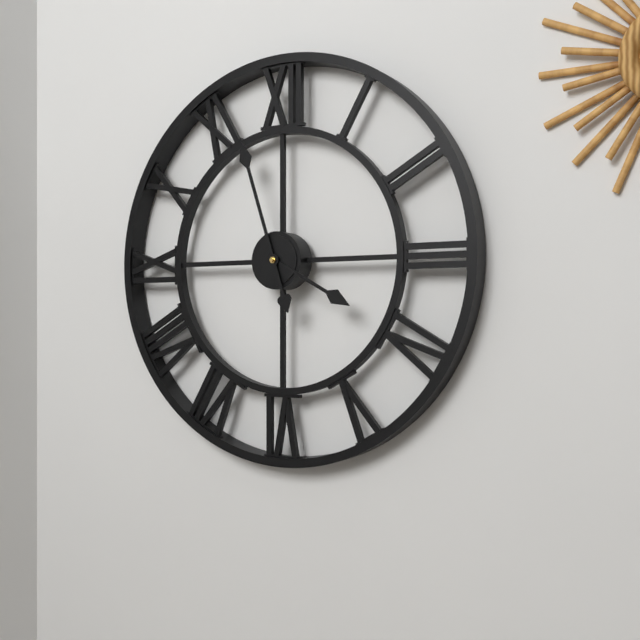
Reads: 3 h 57 min
